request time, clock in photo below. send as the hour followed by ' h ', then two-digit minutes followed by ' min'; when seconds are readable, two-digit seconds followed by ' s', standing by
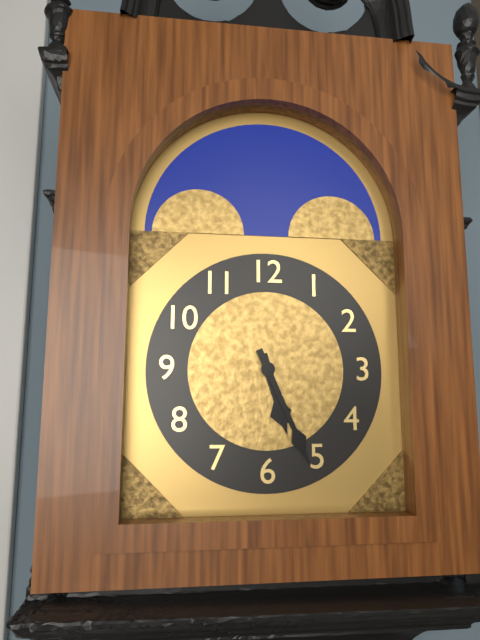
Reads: 5 h 26 min
